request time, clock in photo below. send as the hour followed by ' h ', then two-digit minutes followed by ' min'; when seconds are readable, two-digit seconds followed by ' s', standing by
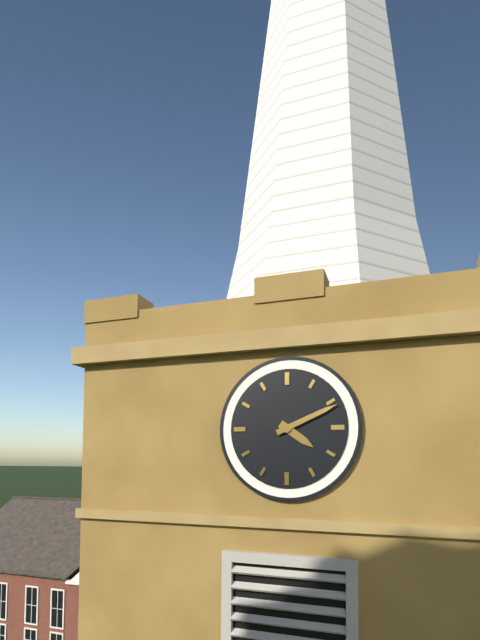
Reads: 4 h 11 min
